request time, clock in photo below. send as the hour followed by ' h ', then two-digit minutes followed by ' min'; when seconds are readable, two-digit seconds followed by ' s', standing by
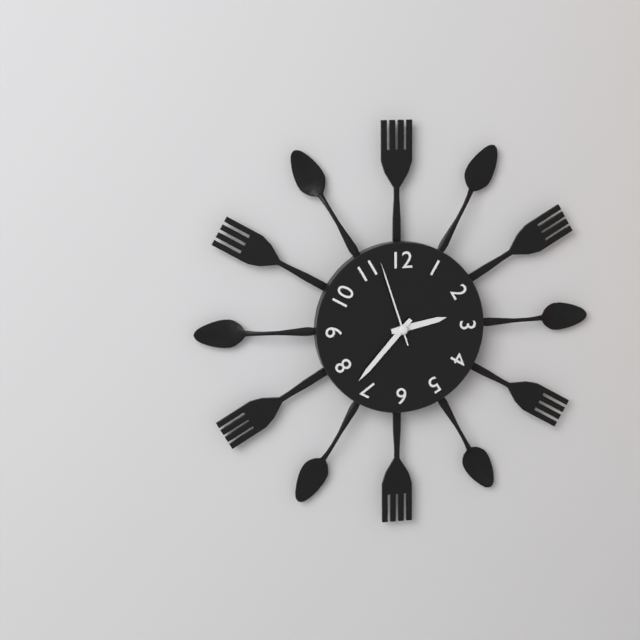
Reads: 2 h 37 min 57 s
